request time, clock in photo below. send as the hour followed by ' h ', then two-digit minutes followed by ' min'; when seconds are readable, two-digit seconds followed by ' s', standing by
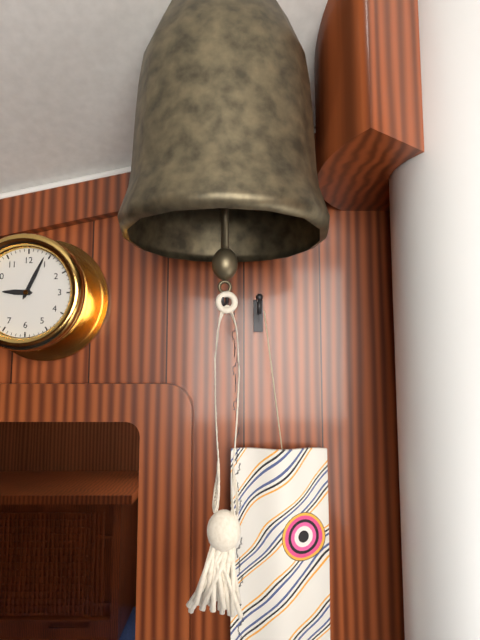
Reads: 9 h 04 min
